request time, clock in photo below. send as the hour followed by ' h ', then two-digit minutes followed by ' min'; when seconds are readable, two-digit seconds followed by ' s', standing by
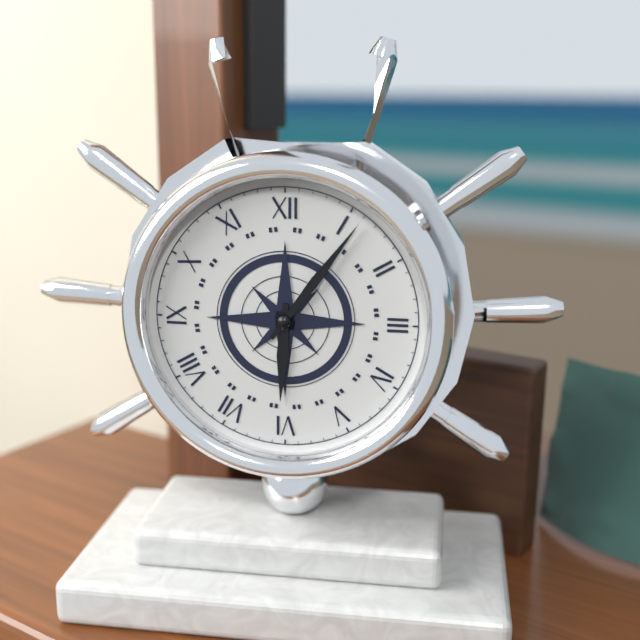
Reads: 6 h 06 min
